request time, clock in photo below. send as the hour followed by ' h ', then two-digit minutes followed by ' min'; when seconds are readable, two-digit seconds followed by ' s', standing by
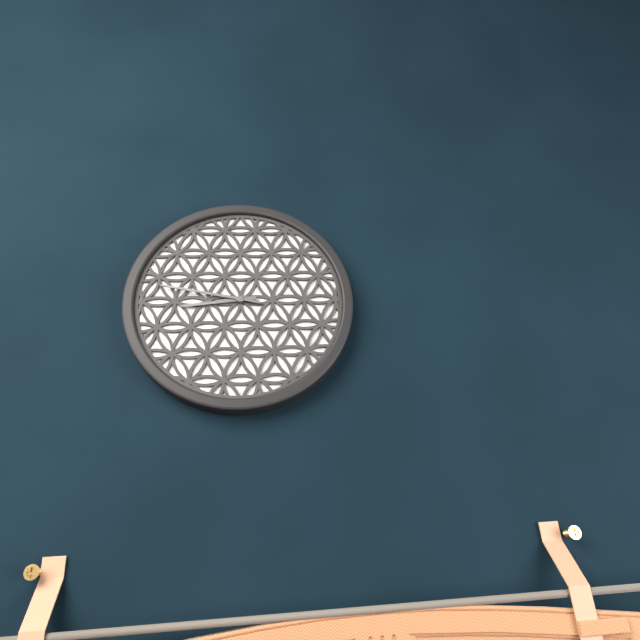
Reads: 8 h 47 min
